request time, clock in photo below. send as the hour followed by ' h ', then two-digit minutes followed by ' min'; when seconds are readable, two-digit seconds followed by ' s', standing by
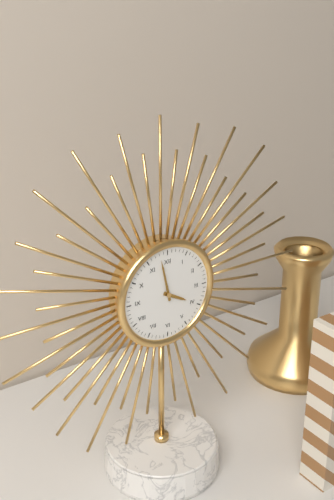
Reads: 3 h 58 min
